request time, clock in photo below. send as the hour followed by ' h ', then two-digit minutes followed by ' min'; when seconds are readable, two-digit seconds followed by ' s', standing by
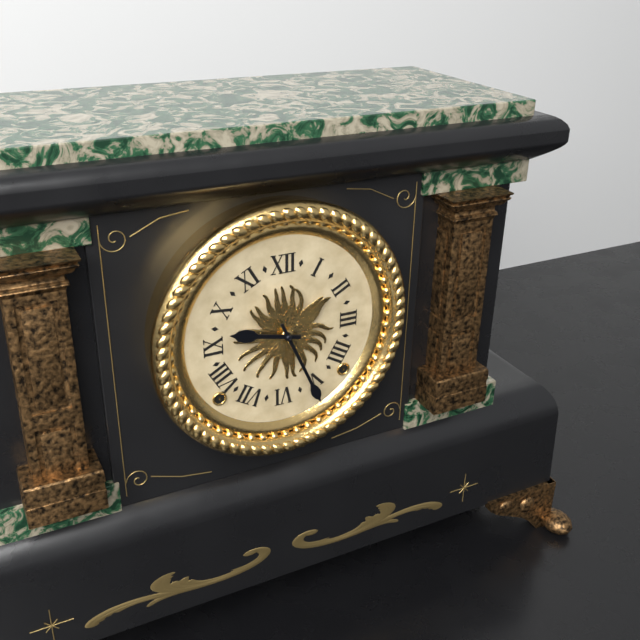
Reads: 9 h 26 min
